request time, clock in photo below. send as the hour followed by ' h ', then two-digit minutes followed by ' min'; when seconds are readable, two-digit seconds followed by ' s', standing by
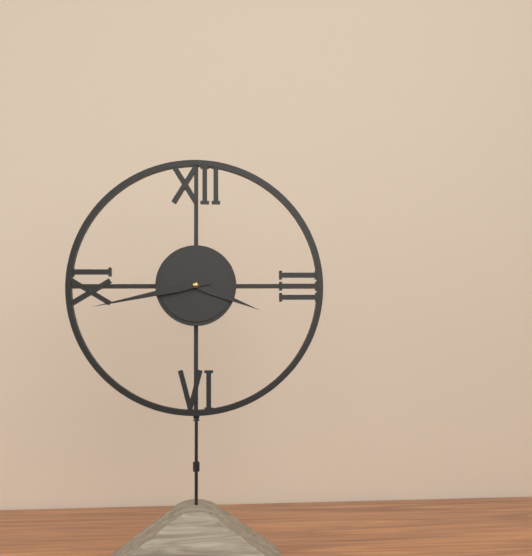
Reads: 3 h 43 min
